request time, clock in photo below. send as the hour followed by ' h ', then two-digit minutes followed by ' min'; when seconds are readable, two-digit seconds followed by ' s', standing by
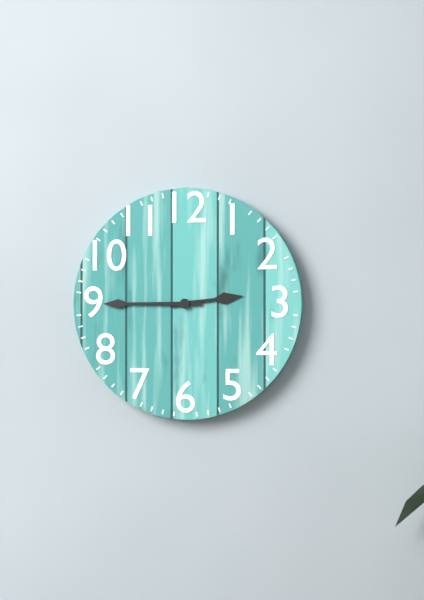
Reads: 2 h 45 min
